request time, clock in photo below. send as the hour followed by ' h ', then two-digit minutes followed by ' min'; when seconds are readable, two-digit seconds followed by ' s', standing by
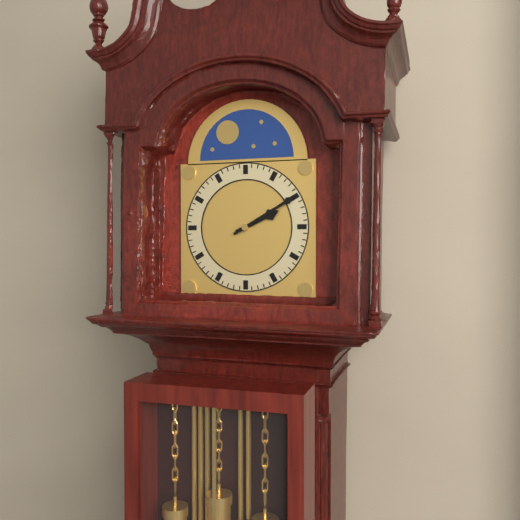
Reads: 2 h 10 min
